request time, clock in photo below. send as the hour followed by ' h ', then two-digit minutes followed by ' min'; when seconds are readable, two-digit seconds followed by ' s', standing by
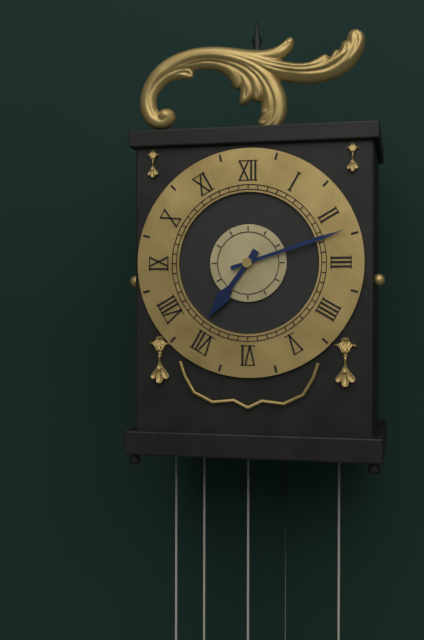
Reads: 7 h 12 min
